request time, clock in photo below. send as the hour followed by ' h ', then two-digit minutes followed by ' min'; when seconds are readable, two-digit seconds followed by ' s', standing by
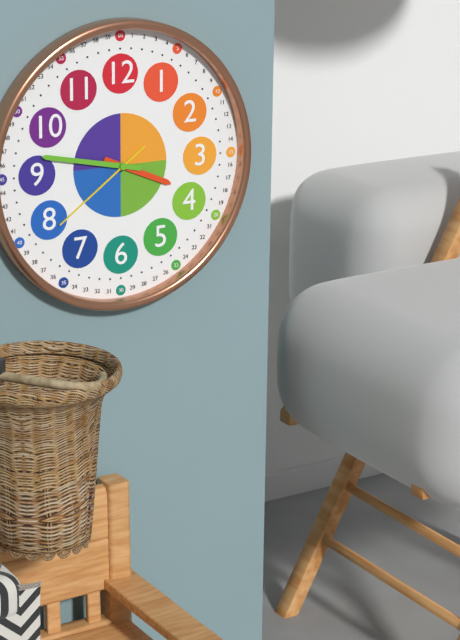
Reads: 3 h 47 min 39 s
